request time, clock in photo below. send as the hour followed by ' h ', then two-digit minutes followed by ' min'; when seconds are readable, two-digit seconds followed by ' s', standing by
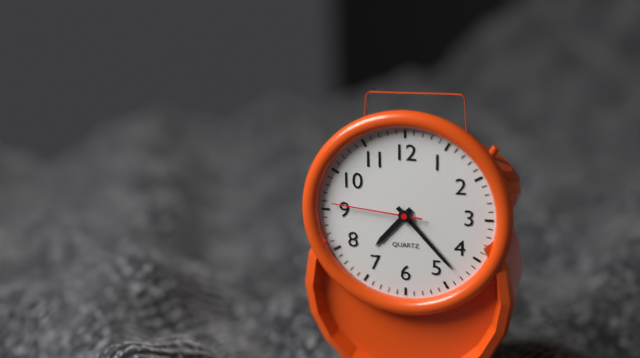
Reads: 7 h 23 min 46 s
